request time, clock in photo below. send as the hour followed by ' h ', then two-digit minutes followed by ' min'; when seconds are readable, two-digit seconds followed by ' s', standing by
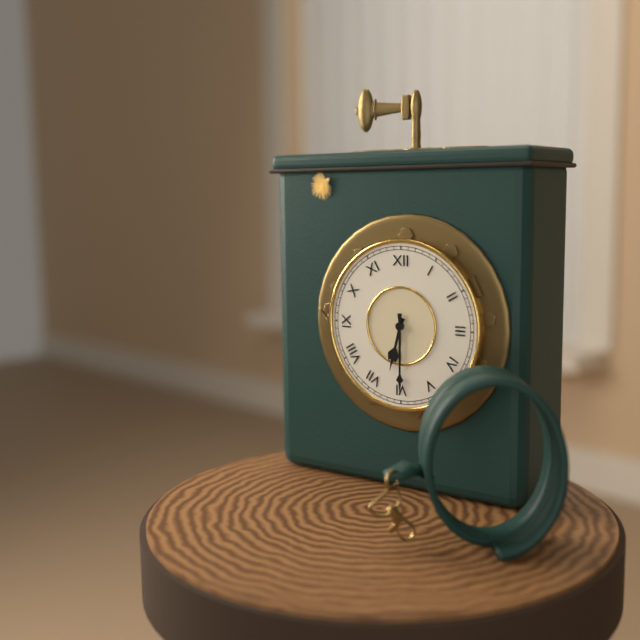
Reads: 6 h 30 min
